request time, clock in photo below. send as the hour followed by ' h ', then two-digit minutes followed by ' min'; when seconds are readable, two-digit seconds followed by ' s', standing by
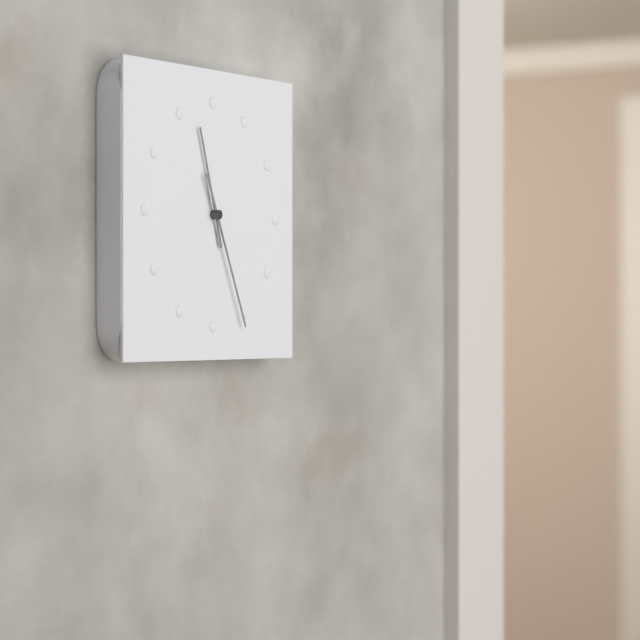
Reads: 11 h 26 min
